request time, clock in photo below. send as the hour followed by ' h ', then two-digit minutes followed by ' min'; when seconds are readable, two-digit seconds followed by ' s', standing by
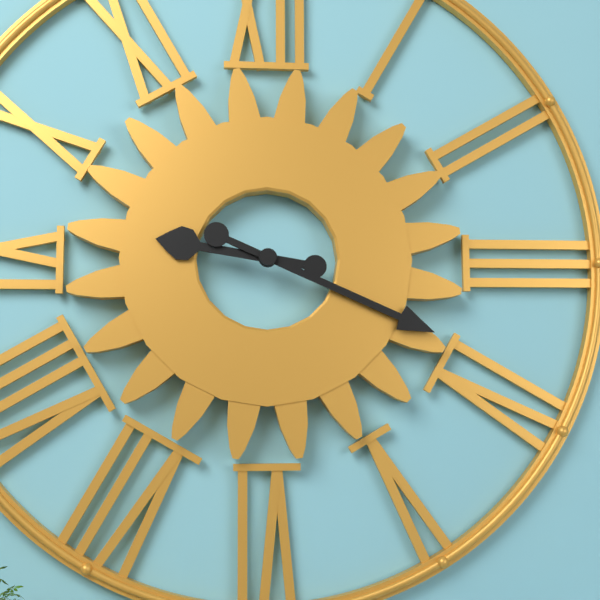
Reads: 9 h 19 min
